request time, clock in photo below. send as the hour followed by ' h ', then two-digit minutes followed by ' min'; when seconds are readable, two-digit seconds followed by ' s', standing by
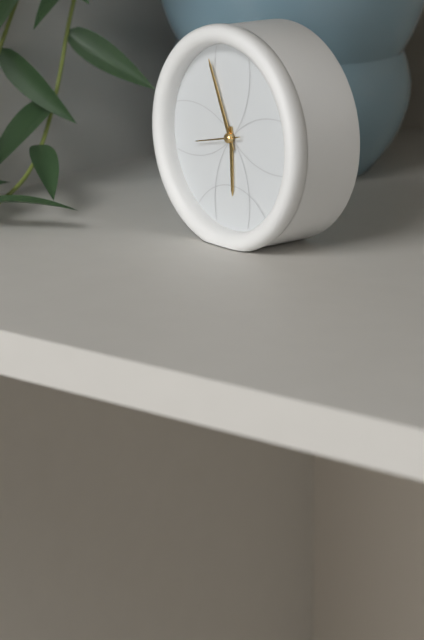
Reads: 5 h 56 min
